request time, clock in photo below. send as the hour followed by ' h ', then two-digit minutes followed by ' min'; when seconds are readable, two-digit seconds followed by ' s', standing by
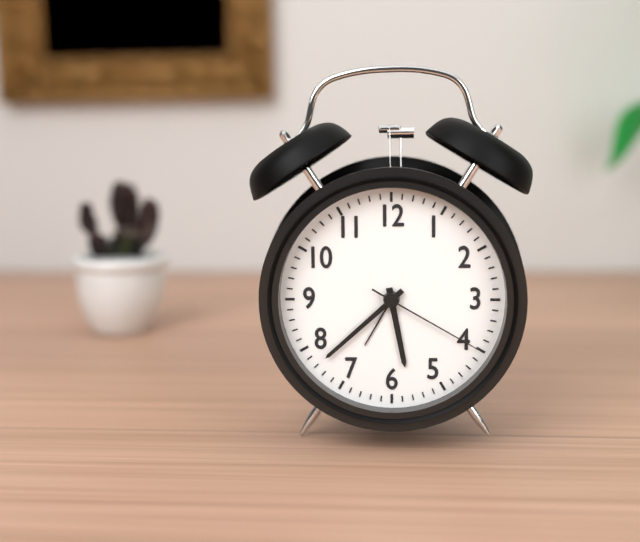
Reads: 5 h 38 min 20 s
